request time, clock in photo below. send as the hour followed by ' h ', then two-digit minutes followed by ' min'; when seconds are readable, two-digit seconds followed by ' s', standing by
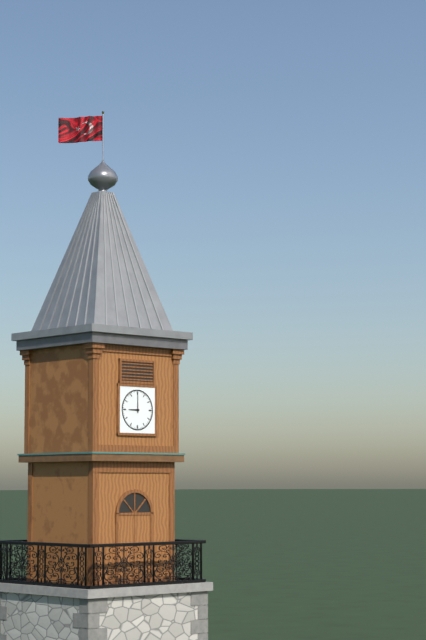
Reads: 9 h 00 min
